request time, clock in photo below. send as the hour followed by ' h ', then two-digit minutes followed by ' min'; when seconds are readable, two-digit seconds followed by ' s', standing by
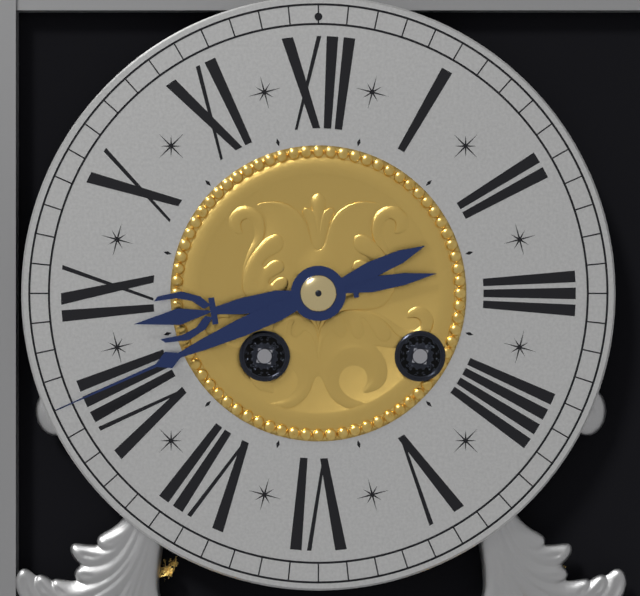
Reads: 8 h 41 min
